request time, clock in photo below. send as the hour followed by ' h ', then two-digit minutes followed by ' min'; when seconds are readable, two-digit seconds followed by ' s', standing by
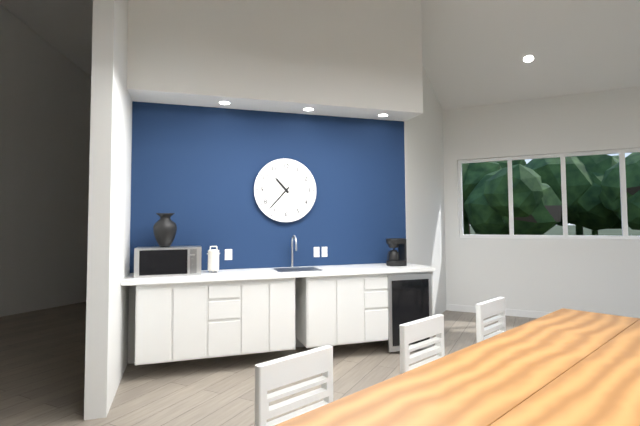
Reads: 10 h 37 min
